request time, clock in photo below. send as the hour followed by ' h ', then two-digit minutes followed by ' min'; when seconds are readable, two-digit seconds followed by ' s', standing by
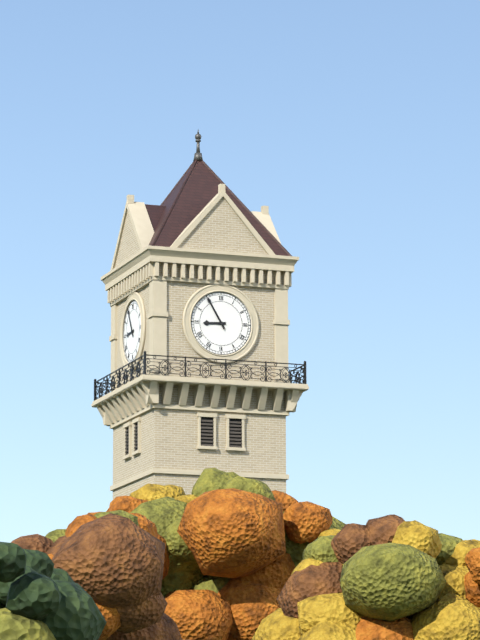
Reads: 8 h 55 min
